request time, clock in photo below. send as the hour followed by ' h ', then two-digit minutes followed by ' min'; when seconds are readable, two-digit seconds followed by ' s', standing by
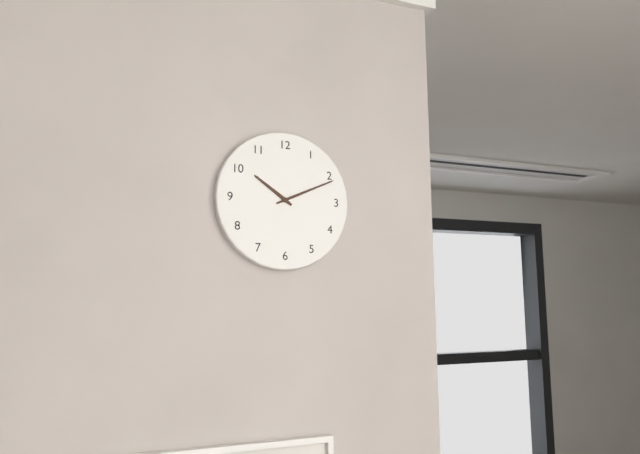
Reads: 10 h 11 min
